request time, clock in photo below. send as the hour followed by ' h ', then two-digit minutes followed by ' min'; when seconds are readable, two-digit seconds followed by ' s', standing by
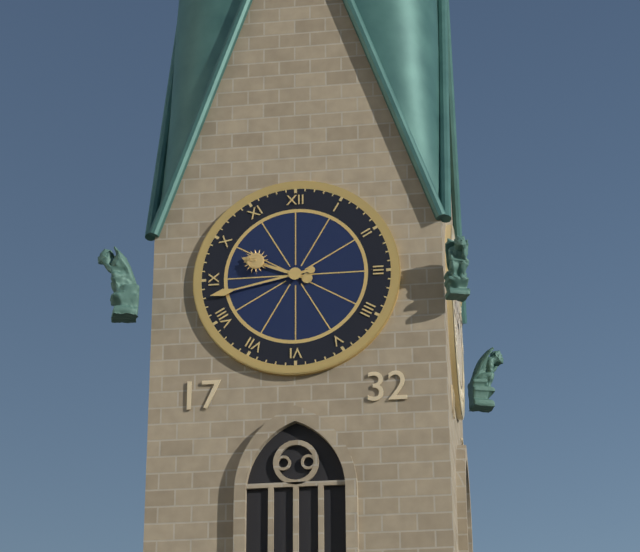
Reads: 9 h 43 min
